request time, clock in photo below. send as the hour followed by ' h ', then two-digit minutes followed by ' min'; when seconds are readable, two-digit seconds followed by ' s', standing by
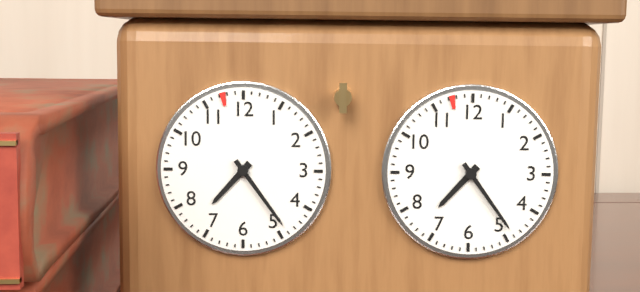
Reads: 7 h 24 min
